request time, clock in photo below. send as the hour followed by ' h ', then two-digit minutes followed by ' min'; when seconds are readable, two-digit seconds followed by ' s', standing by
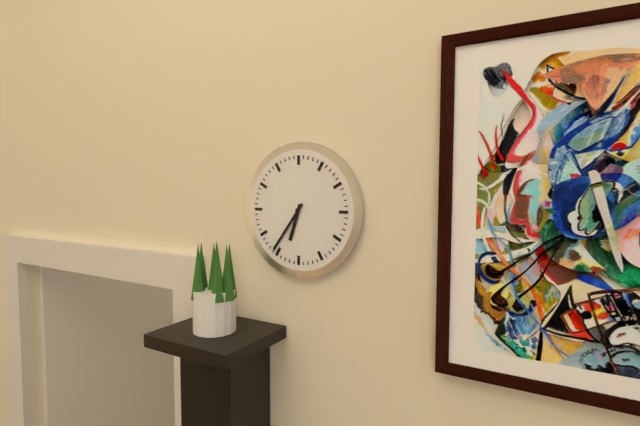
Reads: 6 h 36 min
